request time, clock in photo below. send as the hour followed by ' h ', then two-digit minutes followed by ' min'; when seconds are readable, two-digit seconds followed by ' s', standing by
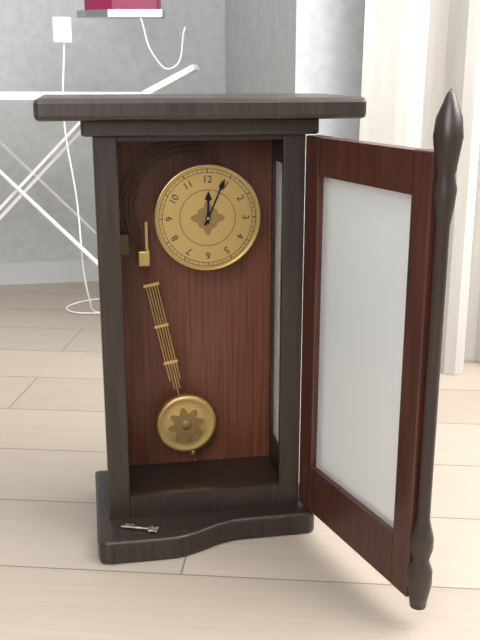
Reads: 12 h 04 min
